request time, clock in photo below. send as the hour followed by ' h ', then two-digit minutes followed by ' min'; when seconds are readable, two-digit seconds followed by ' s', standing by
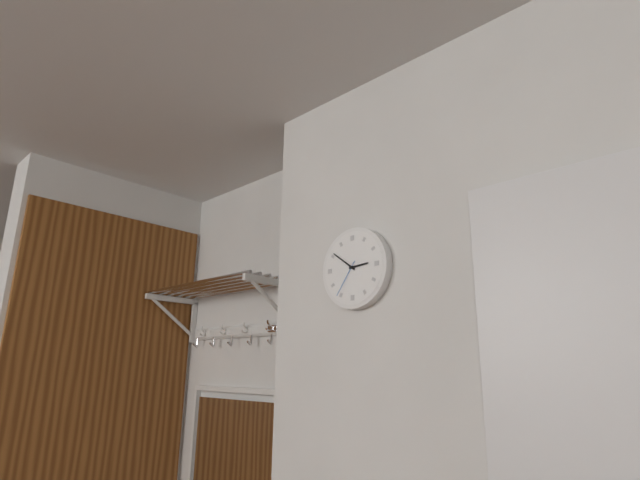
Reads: 2 h 51 min
